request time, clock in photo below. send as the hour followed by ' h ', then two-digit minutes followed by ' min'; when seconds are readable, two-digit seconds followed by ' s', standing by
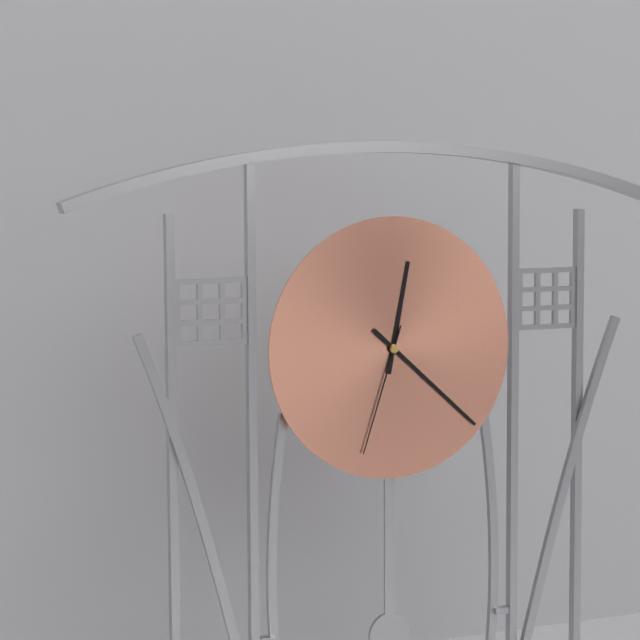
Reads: 12 h 22 min 33 s
